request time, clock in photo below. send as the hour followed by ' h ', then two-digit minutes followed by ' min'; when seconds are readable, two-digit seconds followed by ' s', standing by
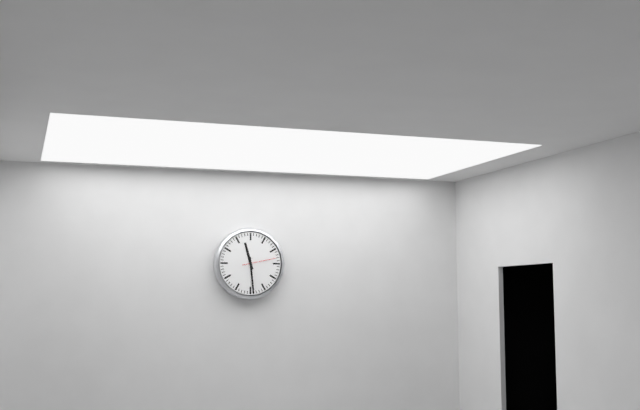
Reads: 11 h 29 min
